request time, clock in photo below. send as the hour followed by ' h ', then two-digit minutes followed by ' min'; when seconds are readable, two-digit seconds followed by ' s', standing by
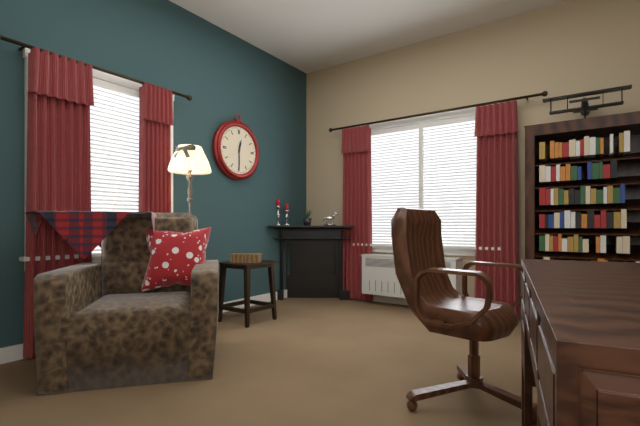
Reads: 12 h 30 min
